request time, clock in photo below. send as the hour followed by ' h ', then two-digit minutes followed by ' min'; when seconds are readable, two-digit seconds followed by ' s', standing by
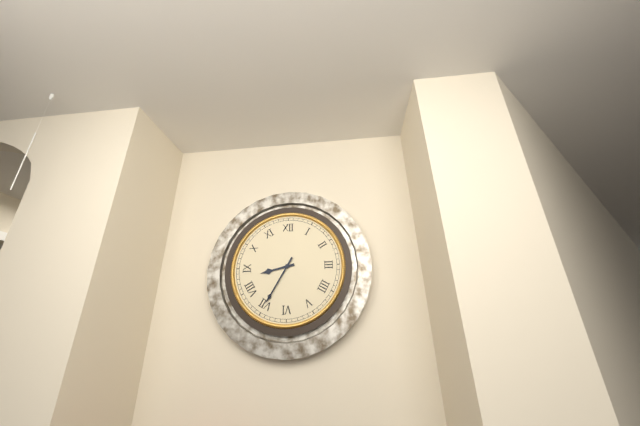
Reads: 8 h 35 min
